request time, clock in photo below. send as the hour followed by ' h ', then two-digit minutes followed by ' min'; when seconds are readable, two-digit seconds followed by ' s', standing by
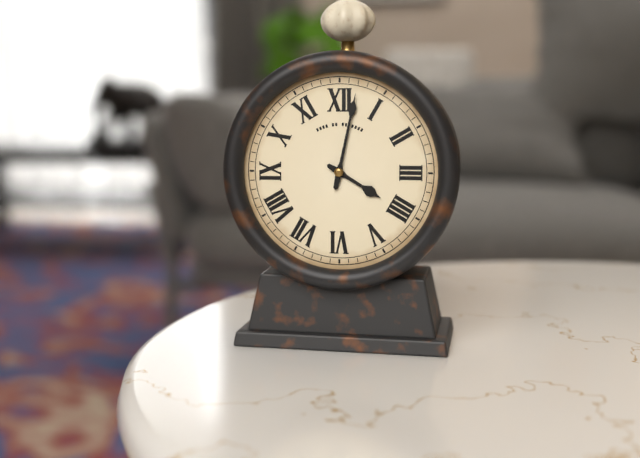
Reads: 4 h 02 min
